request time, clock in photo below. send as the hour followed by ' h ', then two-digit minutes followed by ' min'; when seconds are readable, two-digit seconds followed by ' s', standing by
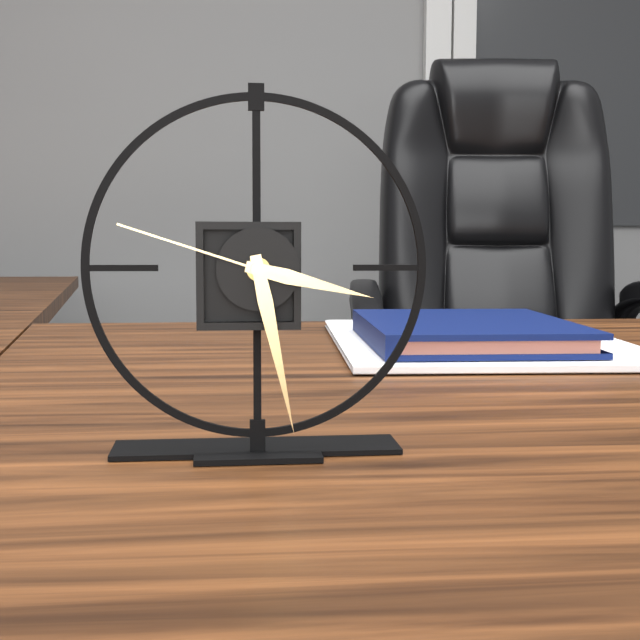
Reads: 3 h 28 min 48 s
